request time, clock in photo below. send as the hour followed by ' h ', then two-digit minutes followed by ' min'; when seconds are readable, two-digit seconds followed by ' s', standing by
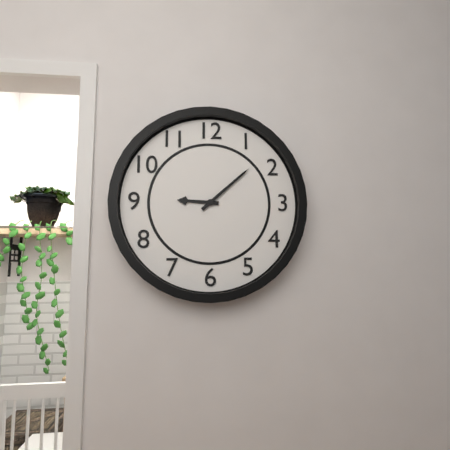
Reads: 9 h 08 min
